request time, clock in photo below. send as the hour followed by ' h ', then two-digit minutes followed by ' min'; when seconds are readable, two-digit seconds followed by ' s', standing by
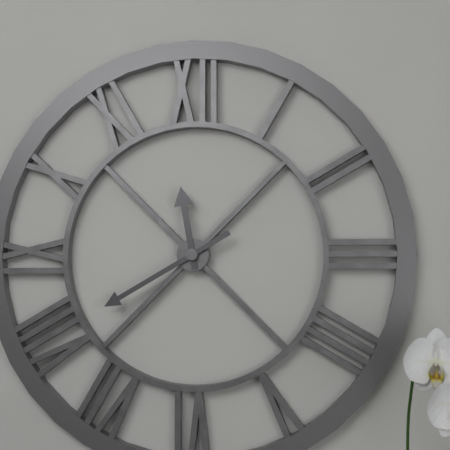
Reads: 11 h 40 min
